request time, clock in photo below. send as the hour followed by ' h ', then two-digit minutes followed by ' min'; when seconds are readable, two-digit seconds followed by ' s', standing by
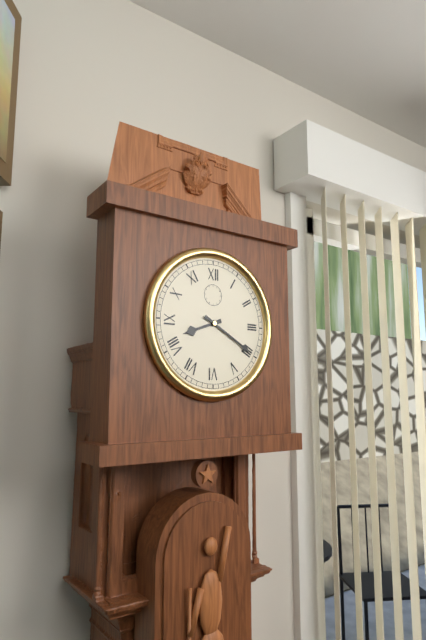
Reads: 8 h 20 min
